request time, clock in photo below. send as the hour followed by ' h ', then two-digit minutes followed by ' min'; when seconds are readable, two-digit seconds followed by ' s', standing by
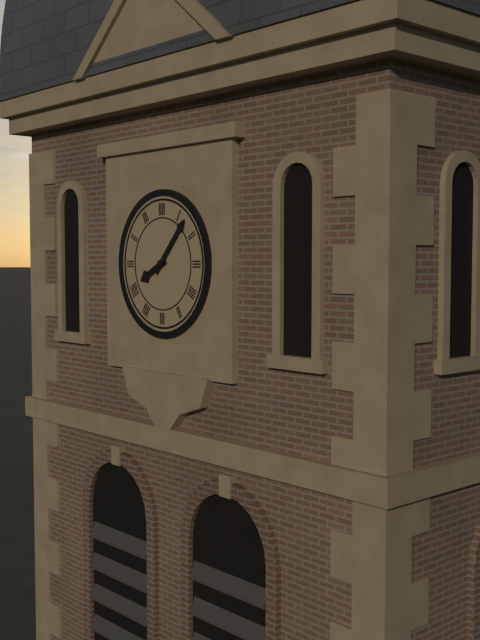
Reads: 8 h 07 min
